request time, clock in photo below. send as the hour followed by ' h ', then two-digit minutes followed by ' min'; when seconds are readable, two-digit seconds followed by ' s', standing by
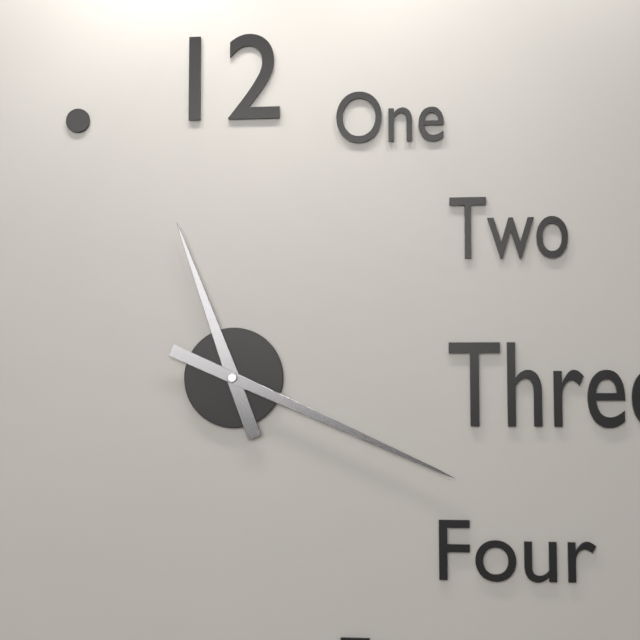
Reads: 11 h 19 min
